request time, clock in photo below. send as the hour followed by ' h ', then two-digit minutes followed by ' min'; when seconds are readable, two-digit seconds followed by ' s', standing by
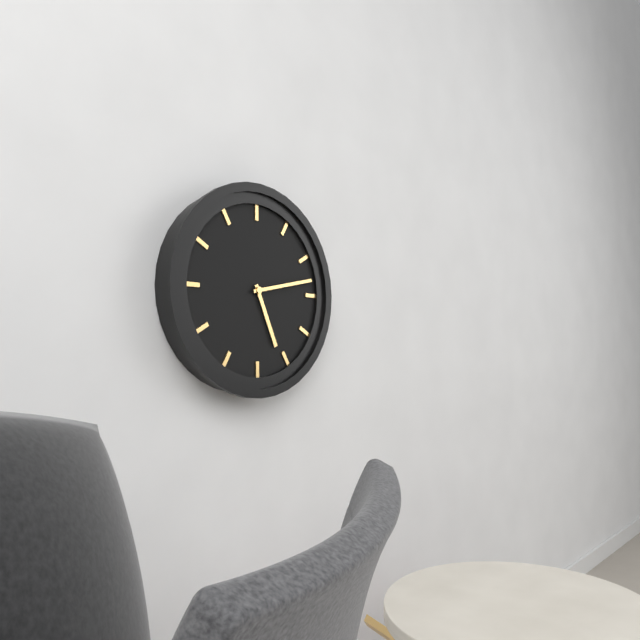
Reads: 5 h 13 min
